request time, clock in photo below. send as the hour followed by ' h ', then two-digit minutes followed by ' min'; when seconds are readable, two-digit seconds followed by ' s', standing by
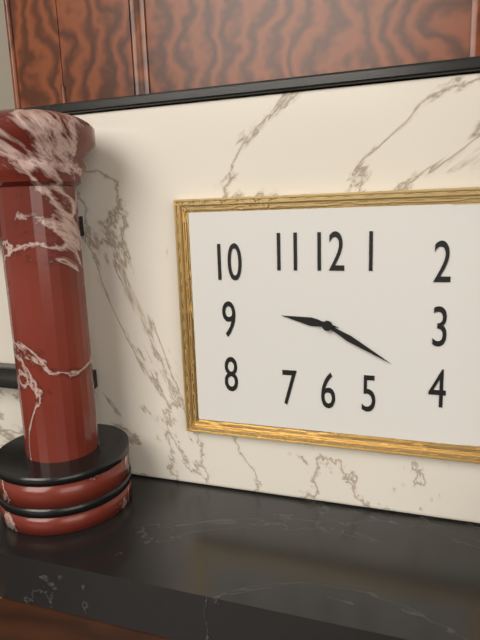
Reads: 9 h 20 min
